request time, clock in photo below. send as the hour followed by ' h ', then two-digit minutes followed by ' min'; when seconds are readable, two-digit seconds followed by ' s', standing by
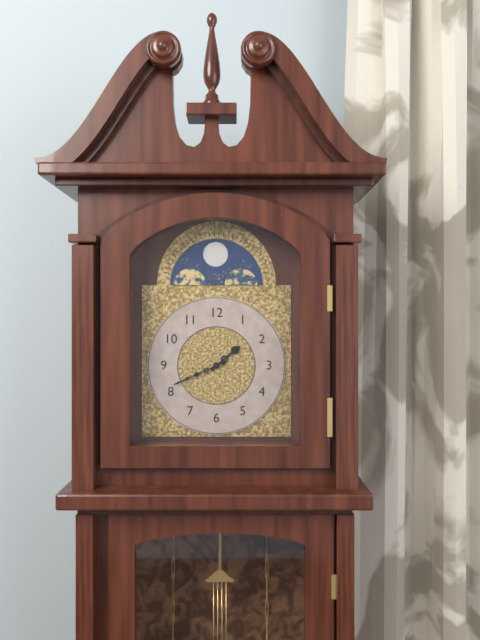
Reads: 1 h 41 min
